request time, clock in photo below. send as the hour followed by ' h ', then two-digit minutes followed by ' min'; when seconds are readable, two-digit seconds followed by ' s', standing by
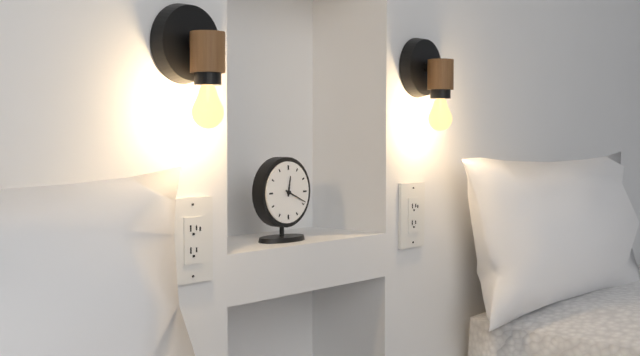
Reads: 12 h 19 min
